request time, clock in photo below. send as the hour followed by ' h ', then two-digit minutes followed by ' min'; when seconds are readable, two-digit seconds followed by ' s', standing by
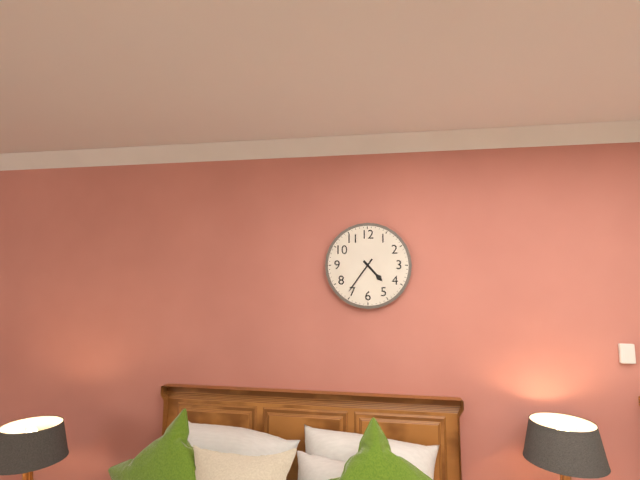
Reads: 4 h 36 min
